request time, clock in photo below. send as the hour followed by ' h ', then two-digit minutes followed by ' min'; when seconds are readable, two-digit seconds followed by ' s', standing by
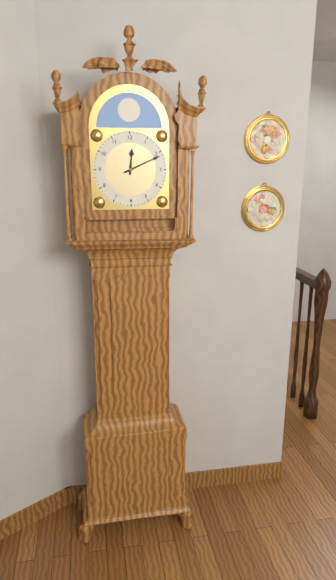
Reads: 12 h 11 min
